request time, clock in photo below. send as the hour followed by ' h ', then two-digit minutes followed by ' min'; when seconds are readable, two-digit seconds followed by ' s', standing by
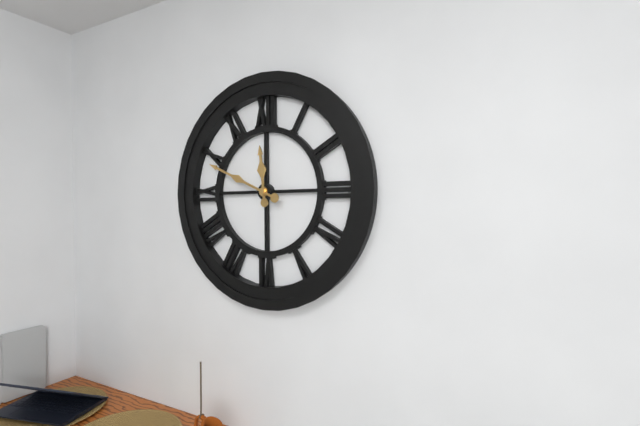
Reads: 11 h 49 min
